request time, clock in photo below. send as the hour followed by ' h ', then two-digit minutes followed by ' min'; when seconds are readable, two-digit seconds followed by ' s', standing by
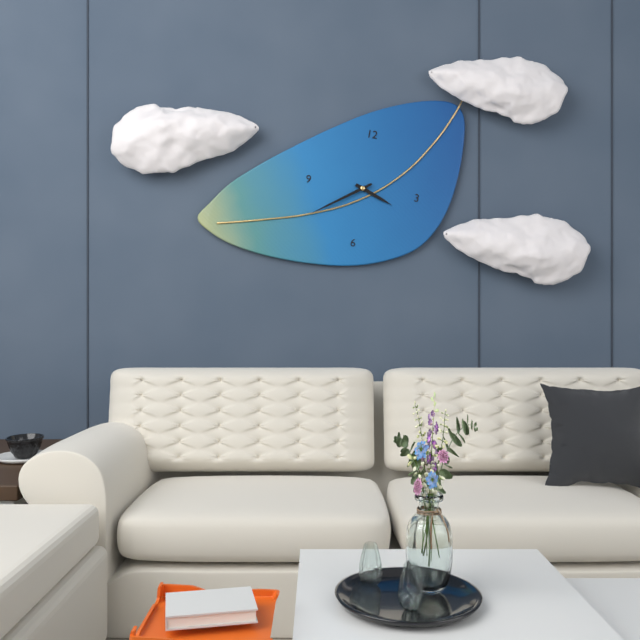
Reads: 3 h 39 min
